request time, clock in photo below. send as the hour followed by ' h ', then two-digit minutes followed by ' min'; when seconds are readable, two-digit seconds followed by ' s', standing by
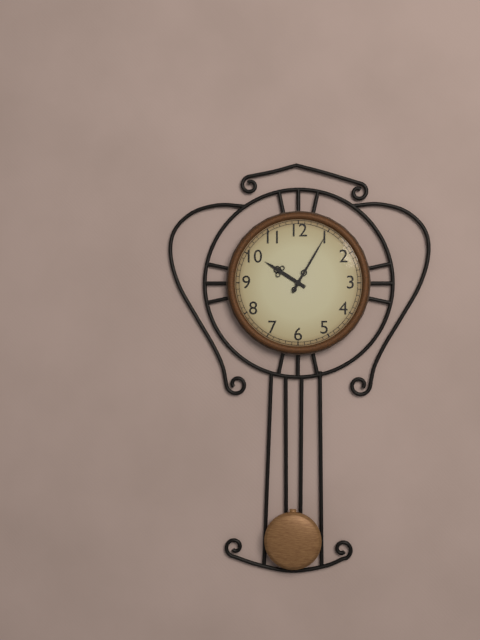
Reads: 10 h 05 min
